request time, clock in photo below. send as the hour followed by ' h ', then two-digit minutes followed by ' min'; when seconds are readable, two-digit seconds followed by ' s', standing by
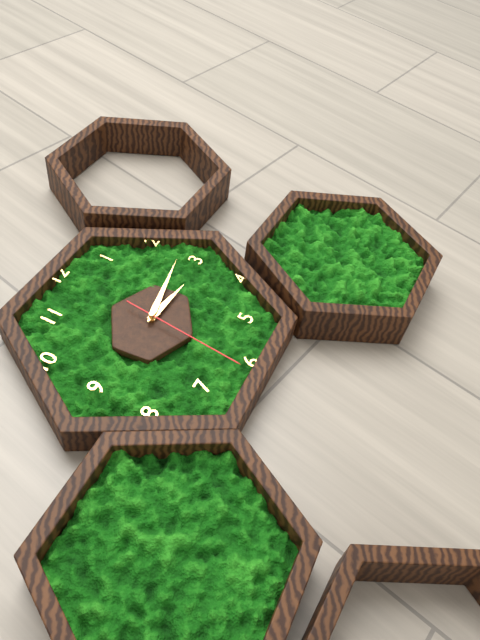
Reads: 3 h 13 min 31 s
